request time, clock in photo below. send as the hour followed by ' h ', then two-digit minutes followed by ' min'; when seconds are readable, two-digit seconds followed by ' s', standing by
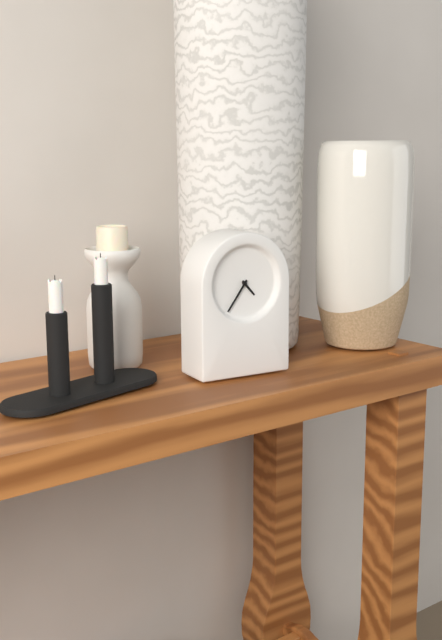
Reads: 4 h 36 min
